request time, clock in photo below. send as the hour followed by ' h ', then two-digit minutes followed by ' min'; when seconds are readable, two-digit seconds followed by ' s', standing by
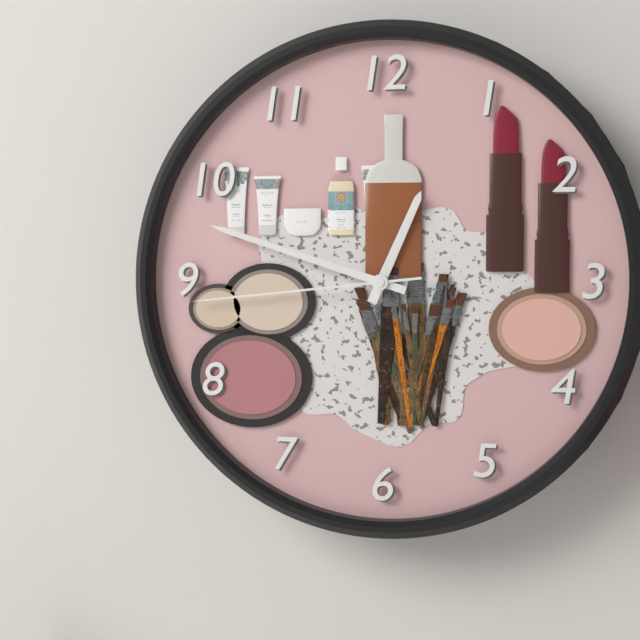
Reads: 12 h 48 min 44 s
